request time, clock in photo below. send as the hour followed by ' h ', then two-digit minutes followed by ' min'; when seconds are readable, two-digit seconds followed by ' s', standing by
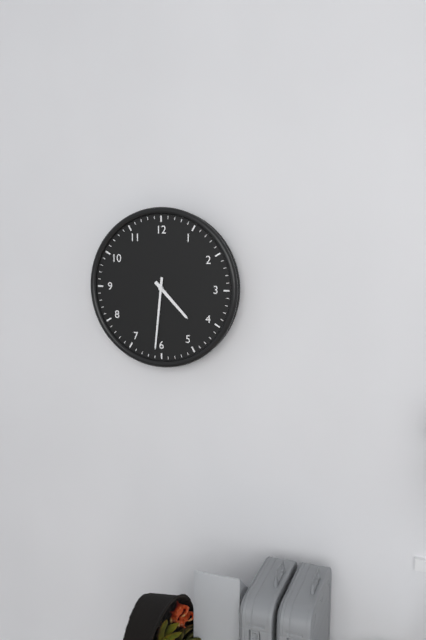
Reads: 4 h 31 min
